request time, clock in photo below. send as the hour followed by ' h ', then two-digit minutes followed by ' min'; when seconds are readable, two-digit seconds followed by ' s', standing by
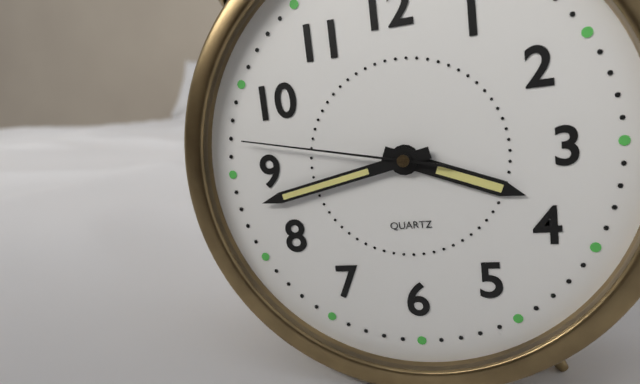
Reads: 3 h 43 min 47 s
